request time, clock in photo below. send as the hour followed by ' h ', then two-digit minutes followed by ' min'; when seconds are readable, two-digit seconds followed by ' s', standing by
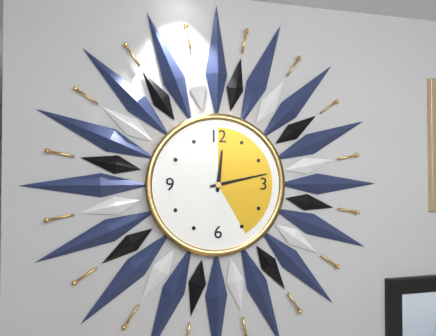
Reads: 12 h 13 min
